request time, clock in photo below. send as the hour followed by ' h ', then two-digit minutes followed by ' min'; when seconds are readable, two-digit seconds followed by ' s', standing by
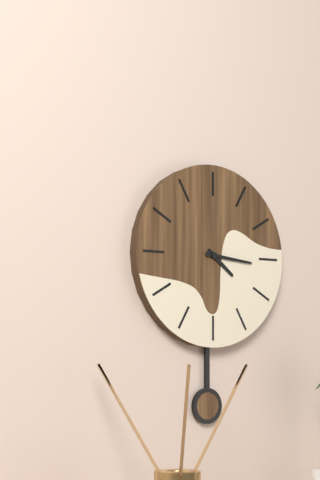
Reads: 4 h 16 min
